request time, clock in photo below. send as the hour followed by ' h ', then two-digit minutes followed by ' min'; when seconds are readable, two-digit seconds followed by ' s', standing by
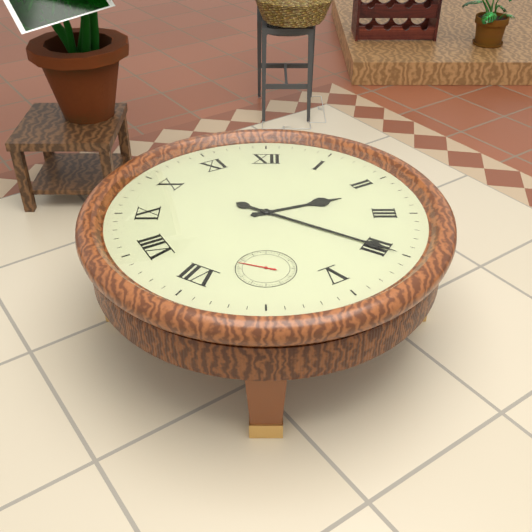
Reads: 2 h 20 min
